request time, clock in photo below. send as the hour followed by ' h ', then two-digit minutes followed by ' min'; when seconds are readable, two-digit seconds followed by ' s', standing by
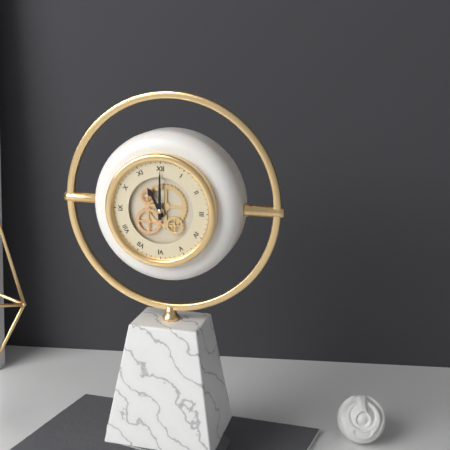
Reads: 11 h 00 min
